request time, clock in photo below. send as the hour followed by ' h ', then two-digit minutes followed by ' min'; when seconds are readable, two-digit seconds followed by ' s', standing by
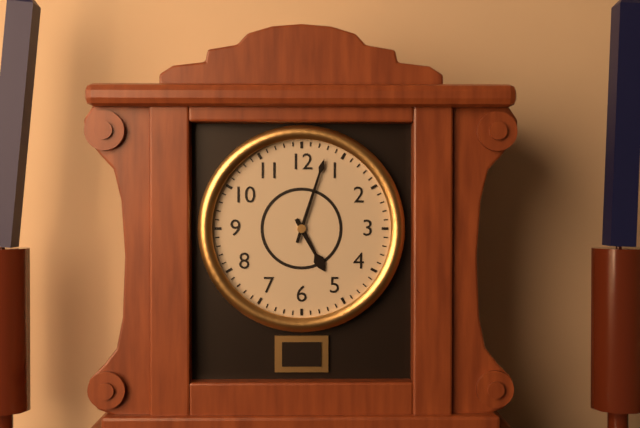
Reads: 5 h 03 min
